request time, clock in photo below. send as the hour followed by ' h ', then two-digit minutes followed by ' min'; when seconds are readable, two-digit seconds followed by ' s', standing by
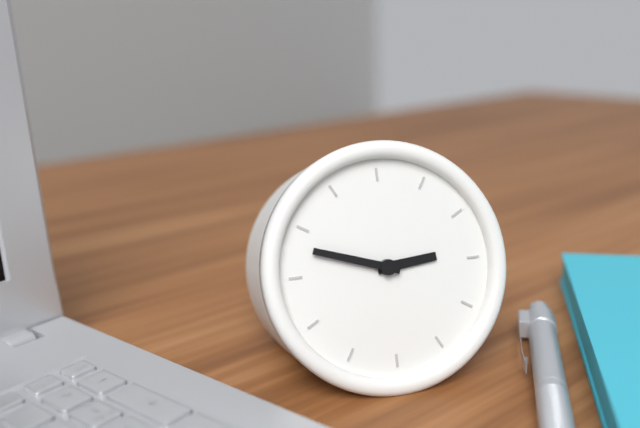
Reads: 2 h 48 min
